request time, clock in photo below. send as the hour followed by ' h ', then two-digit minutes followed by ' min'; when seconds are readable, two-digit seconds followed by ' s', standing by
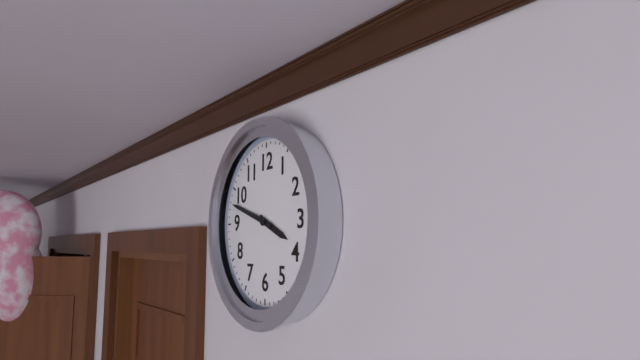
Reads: 3 h 48 min
